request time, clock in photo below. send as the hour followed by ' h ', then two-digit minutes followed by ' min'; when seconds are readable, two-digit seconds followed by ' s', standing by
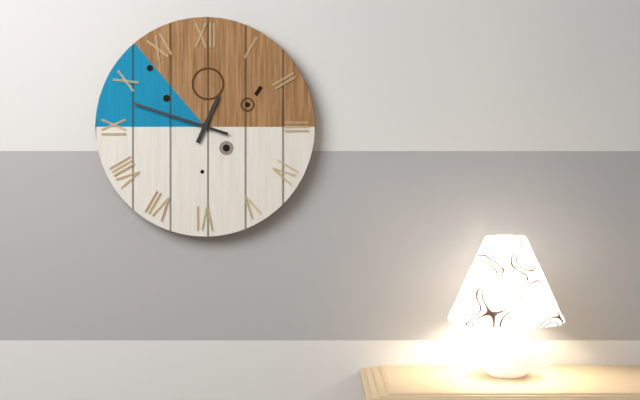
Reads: 12 h 48 min
